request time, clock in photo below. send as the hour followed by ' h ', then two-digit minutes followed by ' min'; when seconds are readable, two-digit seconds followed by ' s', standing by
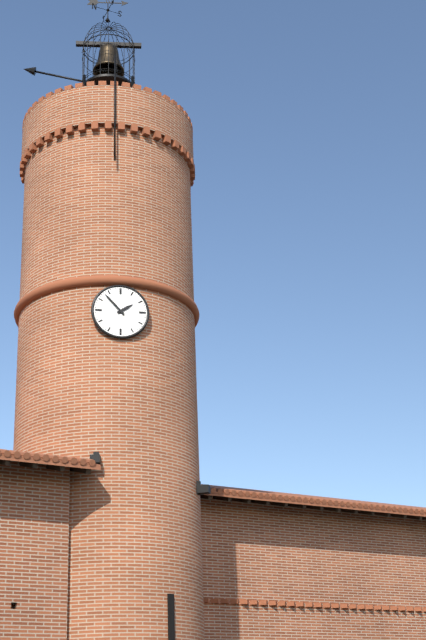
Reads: 1 h 53 min
